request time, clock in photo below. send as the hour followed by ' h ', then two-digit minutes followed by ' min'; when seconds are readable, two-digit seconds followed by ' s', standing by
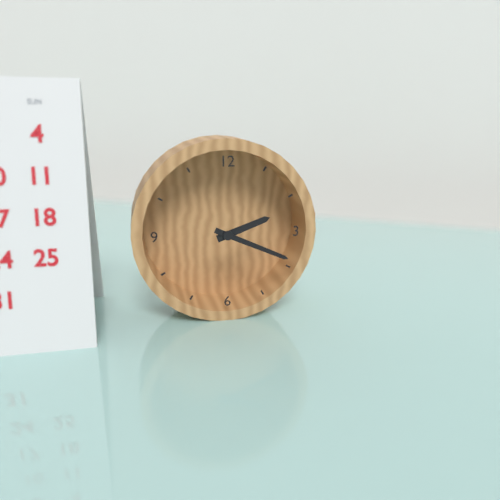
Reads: 2 h 19 min
